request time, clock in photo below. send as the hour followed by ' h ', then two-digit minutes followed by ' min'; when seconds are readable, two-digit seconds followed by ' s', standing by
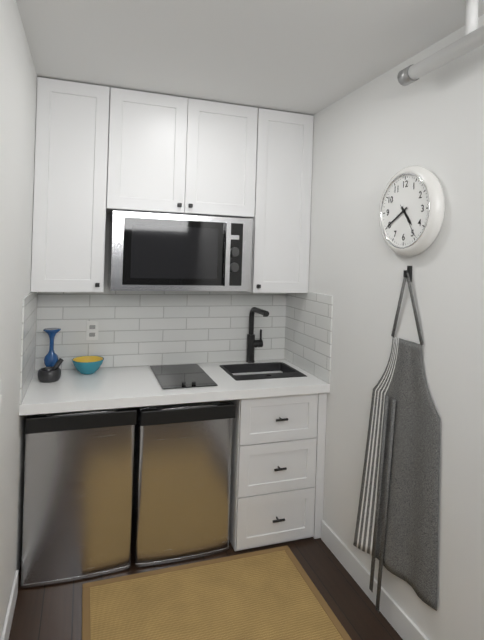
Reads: 4 h 40 min
